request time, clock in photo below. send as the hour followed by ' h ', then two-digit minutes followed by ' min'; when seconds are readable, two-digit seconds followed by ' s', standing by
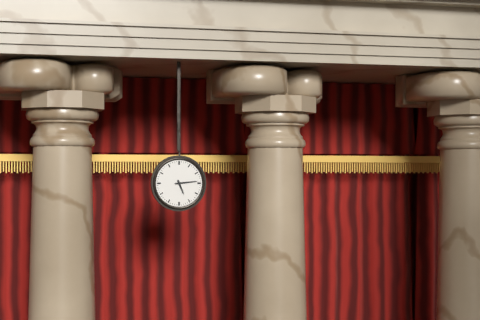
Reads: 5 h 14 min
